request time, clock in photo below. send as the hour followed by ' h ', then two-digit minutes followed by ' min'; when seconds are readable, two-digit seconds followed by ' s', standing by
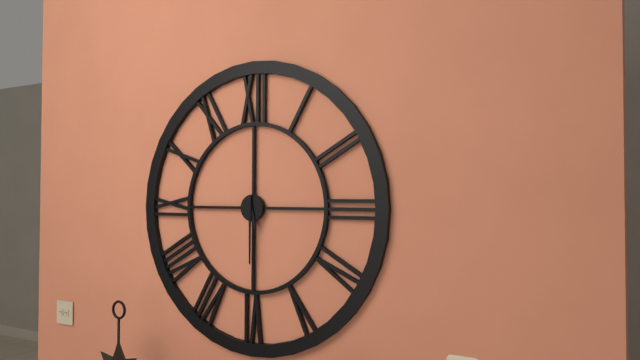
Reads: 5 h 30 min
